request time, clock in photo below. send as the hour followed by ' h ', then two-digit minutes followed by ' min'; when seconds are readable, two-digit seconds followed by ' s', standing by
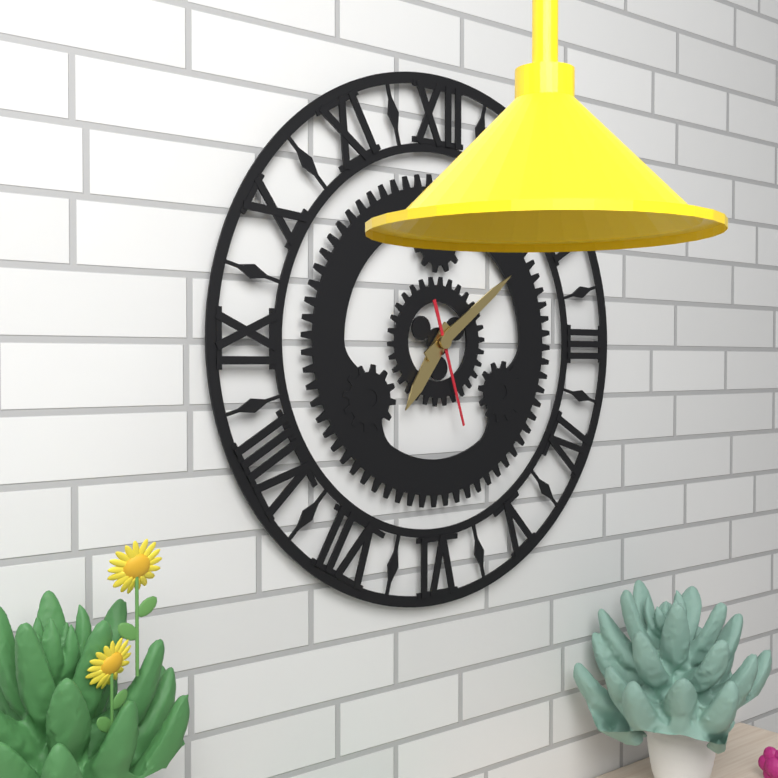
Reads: 7 h 09 min 27 s
